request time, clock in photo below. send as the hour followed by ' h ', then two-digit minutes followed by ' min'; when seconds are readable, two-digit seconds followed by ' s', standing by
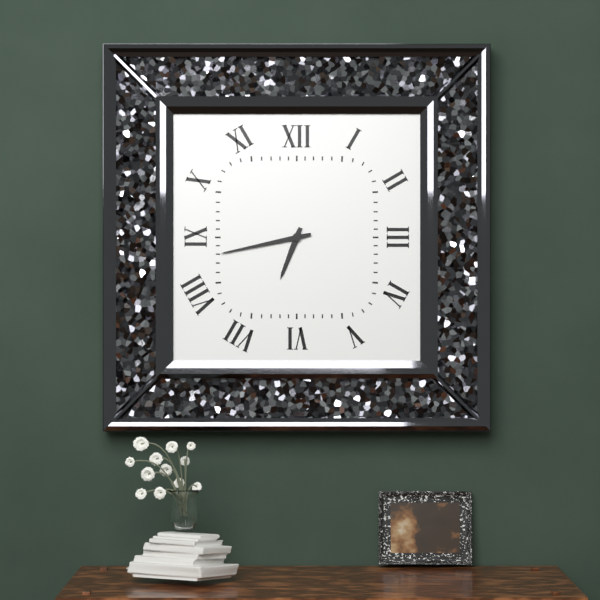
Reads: 6 h 43 min
